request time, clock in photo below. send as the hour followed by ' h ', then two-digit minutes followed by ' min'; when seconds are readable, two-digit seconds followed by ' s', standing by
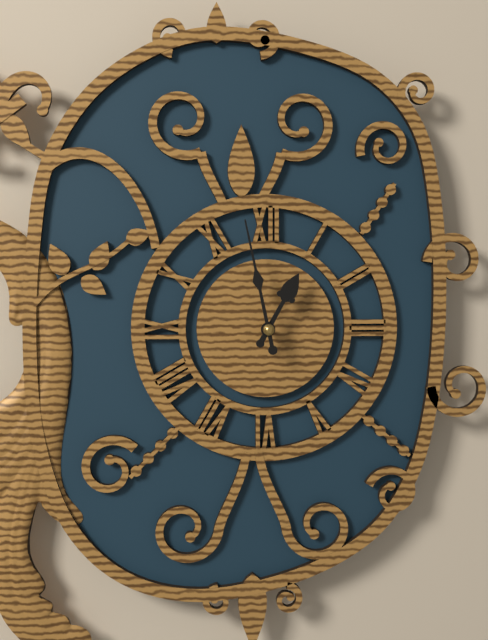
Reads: 12 h 58 min
